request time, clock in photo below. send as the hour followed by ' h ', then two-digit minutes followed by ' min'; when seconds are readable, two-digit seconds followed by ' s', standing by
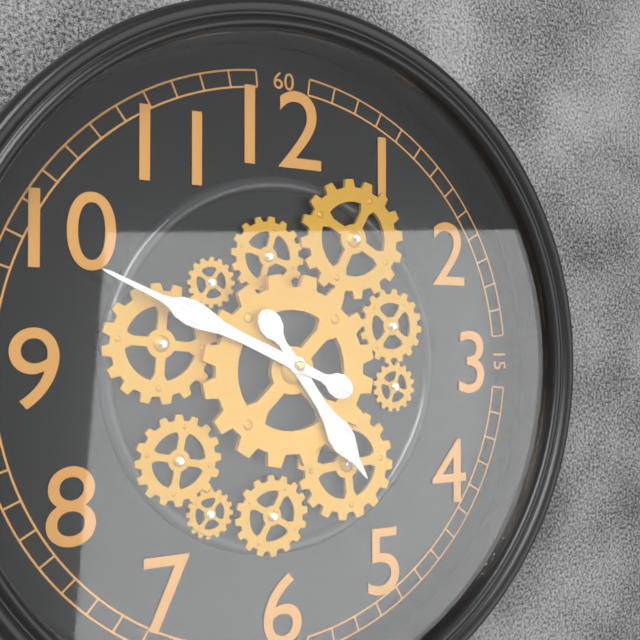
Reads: 4 h 49 min
